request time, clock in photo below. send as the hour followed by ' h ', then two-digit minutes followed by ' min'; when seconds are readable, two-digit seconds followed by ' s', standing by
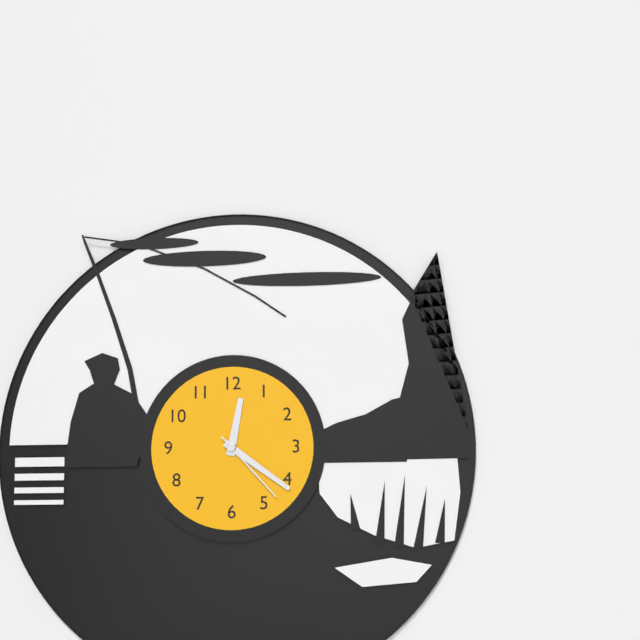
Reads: 12 h 21 min 23 s
